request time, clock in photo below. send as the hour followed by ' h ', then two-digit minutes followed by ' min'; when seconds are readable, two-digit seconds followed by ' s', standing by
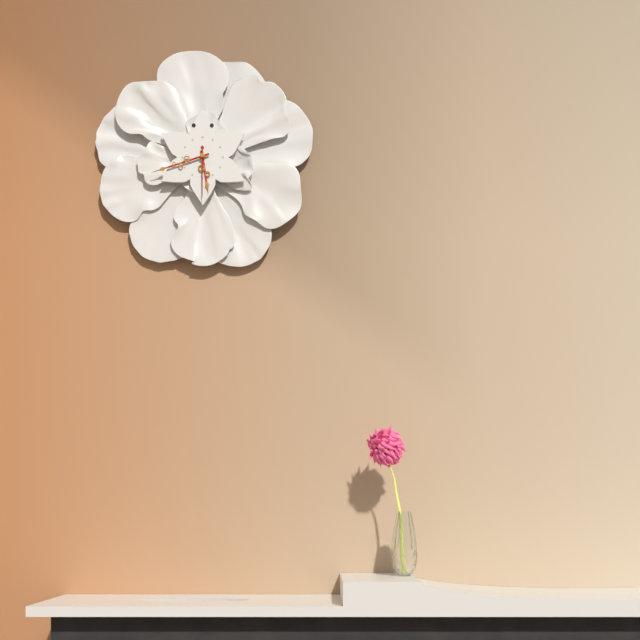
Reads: 5 h 42 min 30 s
